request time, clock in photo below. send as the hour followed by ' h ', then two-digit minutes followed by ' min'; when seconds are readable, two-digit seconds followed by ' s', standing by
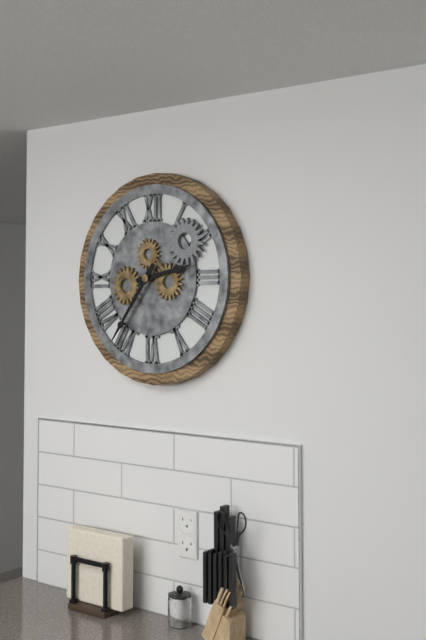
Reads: 2 h 36 min
